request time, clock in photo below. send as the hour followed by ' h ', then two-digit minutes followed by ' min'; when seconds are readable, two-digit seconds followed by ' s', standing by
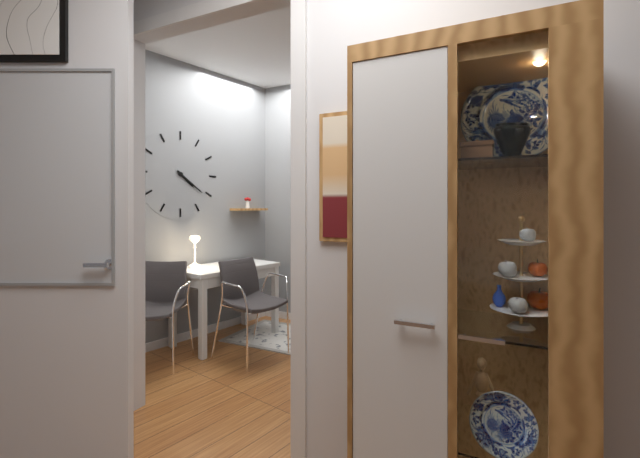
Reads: 4 h 21 min
